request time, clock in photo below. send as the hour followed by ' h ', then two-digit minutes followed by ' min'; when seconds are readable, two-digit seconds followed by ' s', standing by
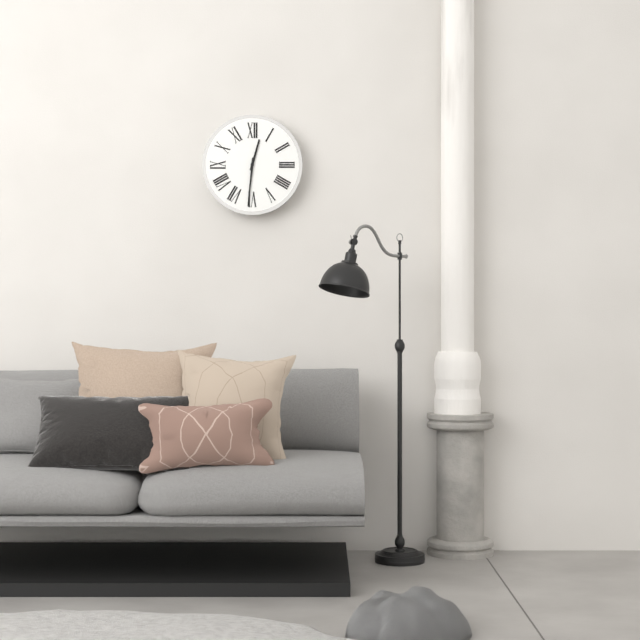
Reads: 12 h 31 min
